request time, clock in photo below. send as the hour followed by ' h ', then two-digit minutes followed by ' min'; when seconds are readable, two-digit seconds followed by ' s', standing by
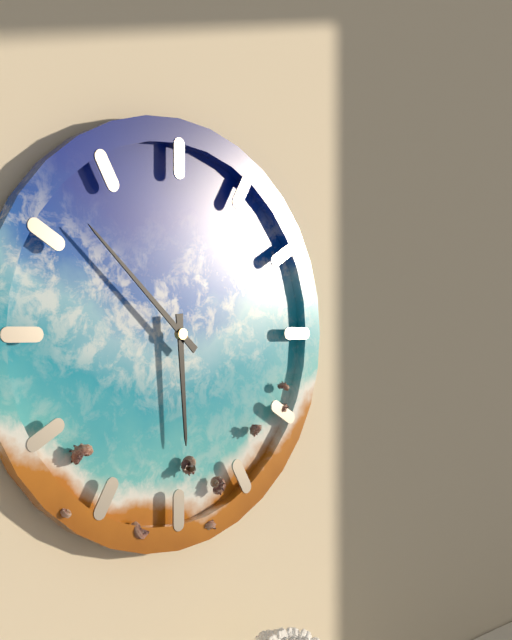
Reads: 5 h 52 min
